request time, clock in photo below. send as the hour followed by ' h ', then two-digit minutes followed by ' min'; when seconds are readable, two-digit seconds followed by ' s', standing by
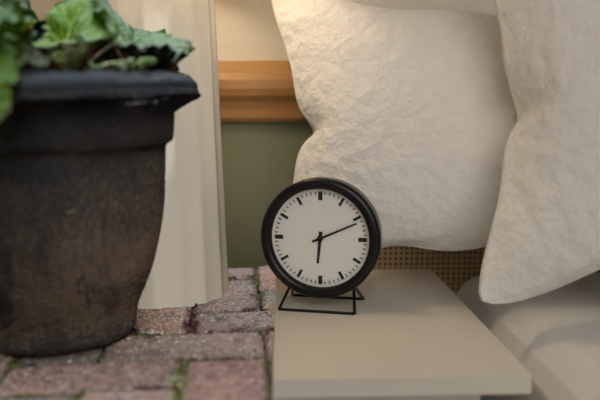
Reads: 6 h 11 min
